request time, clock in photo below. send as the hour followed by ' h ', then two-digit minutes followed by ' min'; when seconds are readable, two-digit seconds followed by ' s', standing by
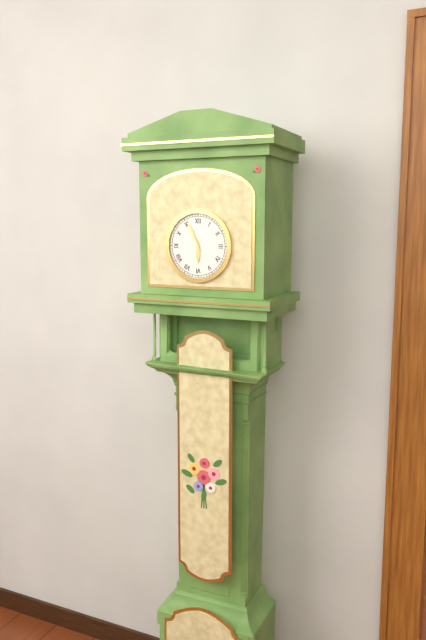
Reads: 5 h 56 min
